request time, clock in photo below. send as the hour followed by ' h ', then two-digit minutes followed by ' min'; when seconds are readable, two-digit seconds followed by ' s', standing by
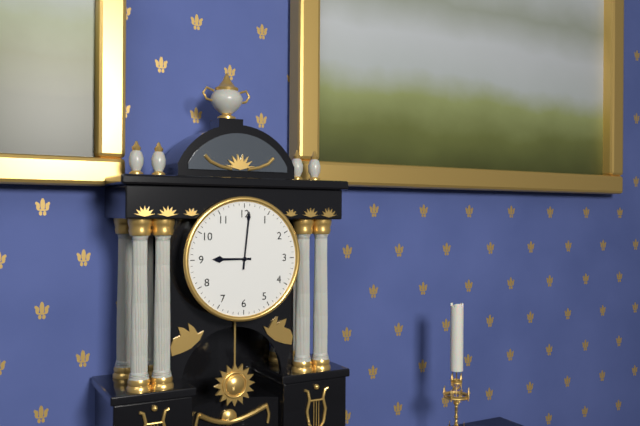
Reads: 9 h 01 min
